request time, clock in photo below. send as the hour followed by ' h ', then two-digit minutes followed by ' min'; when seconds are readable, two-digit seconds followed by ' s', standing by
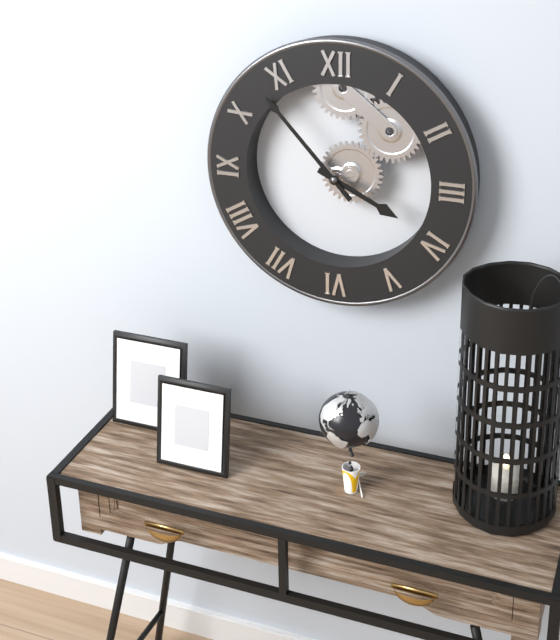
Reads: 3 h 53 min
